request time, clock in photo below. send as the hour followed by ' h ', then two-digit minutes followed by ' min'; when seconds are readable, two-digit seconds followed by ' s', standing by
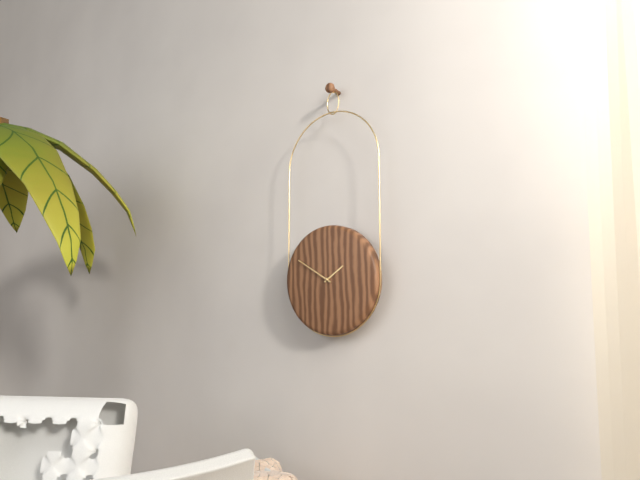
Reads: 1 h 50 min
